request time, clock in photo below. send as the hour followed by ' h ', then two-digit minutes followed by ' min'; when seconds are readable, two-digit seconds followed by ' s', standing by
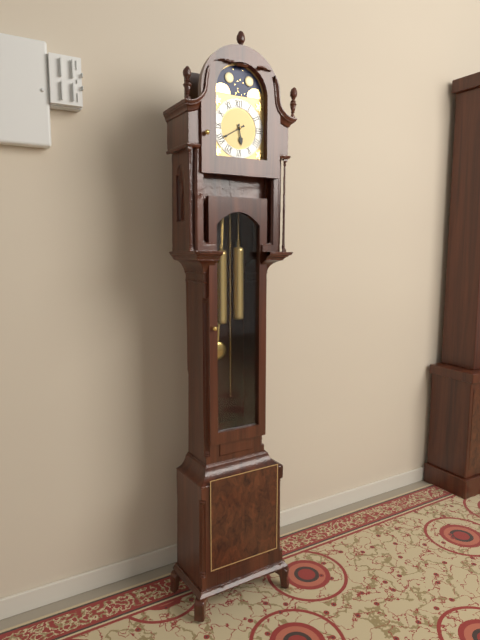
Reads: 5 h 40 min
